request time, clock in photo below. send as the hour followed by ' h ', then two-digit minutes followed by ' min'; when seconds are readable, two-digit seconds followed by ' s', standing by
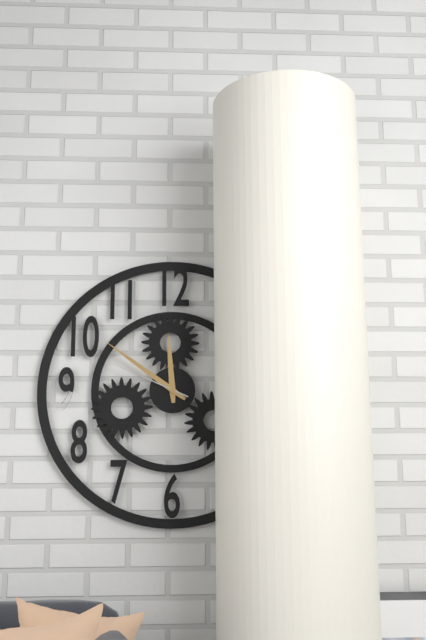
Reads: 11 h 51 min 49 s
